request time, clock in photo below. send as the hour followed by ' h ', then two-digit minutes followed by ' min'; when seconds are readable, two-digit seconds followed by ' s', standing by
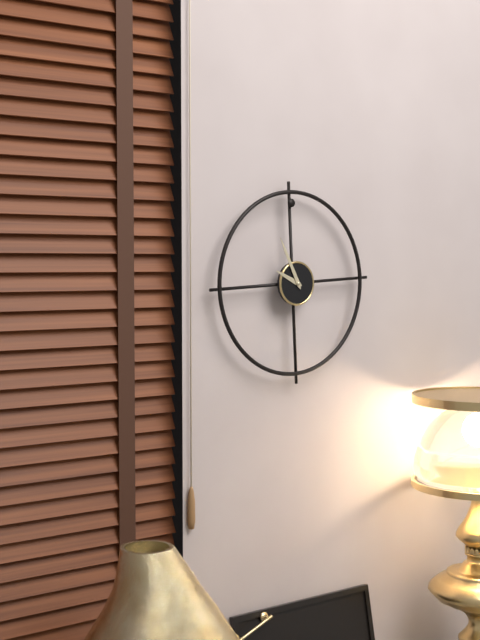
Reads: 9 h 56 min
